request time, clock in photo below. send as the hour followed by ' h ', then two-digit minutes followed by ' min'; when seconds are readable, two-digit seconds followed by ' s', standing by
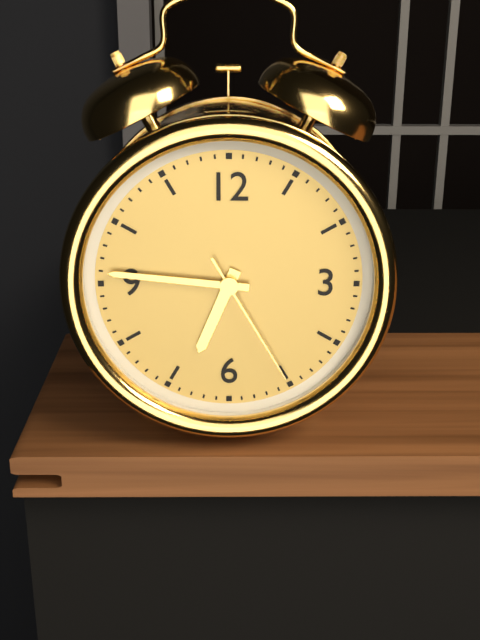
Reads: 6 h 46 min 25 s
